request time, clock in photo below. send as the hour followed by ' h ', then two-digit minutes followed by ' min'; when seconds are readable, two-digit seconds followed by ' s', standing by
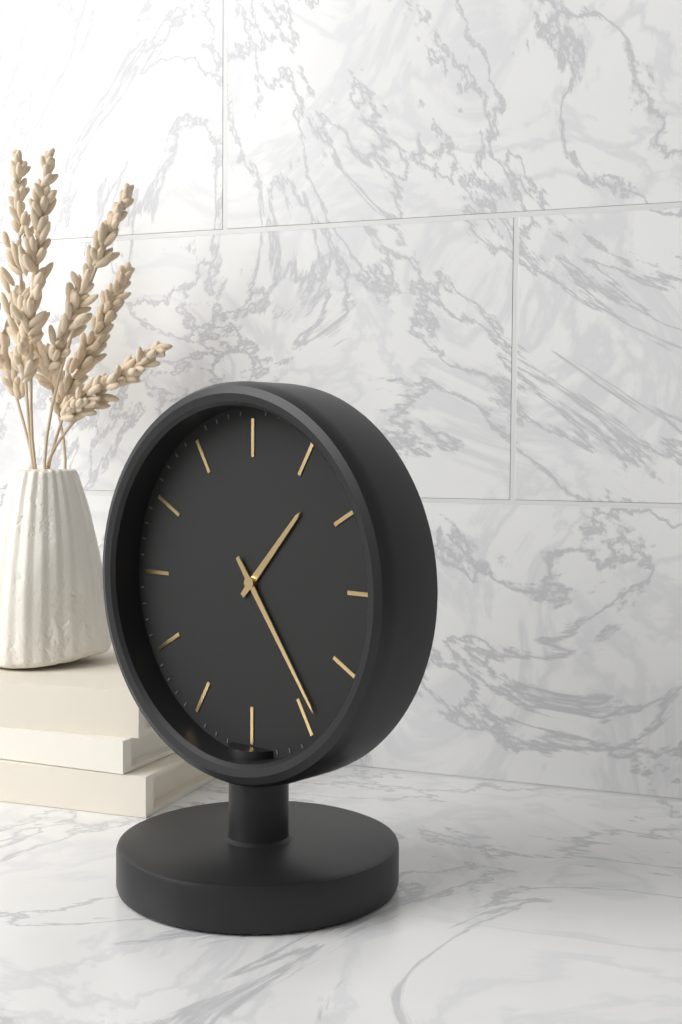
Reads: 1 h 24 min
